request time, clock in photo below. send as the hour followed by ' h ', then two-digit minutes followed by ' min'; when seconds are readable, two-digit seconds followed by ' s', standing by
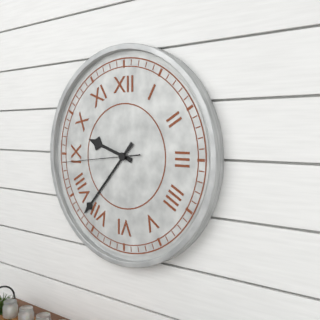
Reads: 9 h 37 min 44 s
